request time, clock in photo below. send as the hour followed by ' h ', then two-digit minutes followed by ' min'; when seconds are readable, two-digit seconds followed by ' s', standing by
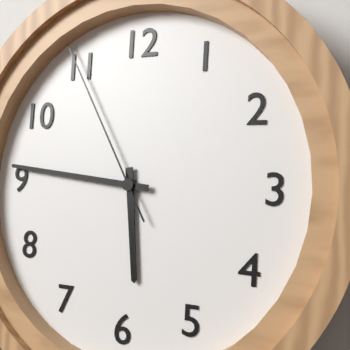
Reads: 5 h 46 min 55 s
